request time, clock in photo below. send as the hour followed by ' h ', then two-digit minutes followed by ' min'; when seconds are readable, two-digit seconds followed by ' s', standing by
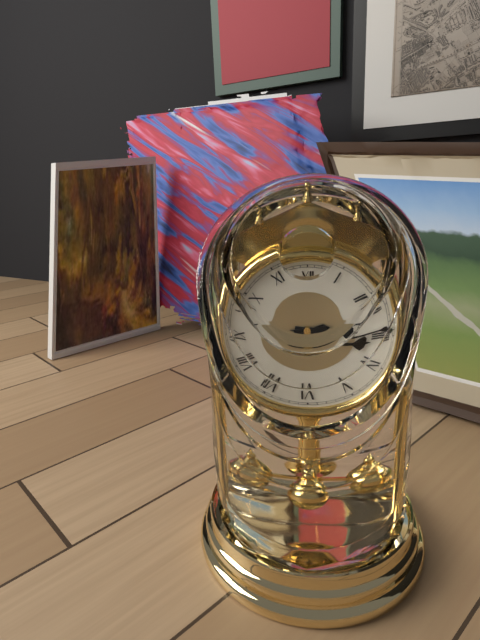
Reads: 3 h 14 min
